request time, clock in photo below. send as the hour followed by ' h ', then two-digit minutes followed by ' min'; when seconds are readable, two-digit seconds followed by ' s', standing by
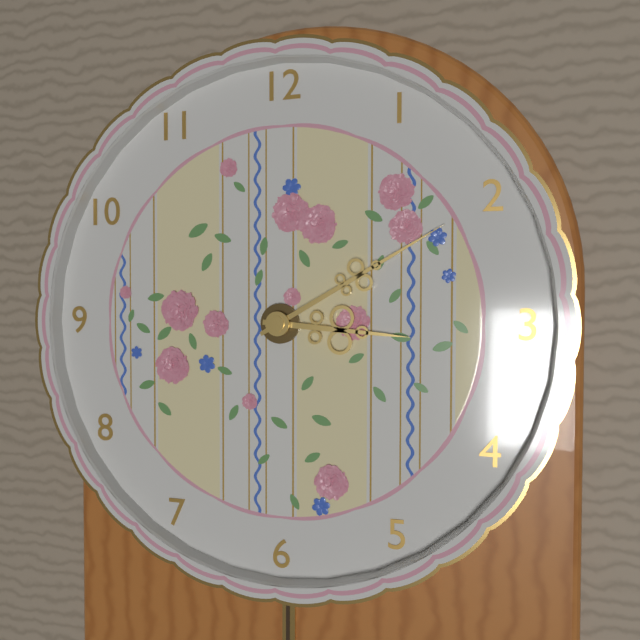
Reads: 3 h 10 min
